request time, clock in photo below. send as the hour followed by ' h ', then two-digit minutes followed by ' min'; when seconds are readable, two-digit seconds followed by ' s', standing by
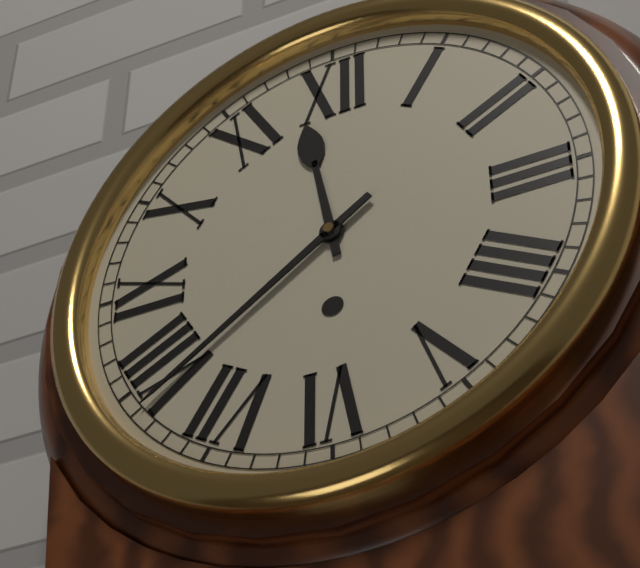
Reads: 11 h 39 min
